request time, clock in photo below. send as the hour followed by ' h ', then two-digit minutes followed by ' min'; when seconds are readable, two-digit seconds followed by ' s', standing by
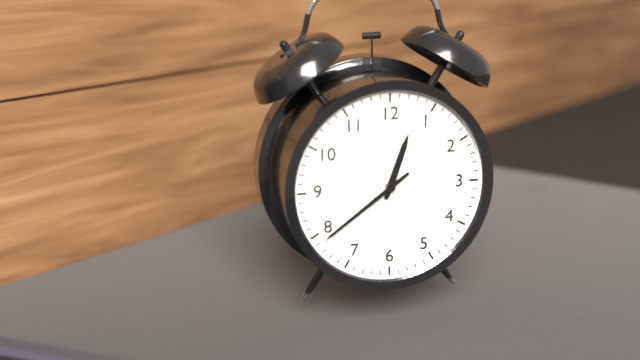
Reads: 12 h 39 min
